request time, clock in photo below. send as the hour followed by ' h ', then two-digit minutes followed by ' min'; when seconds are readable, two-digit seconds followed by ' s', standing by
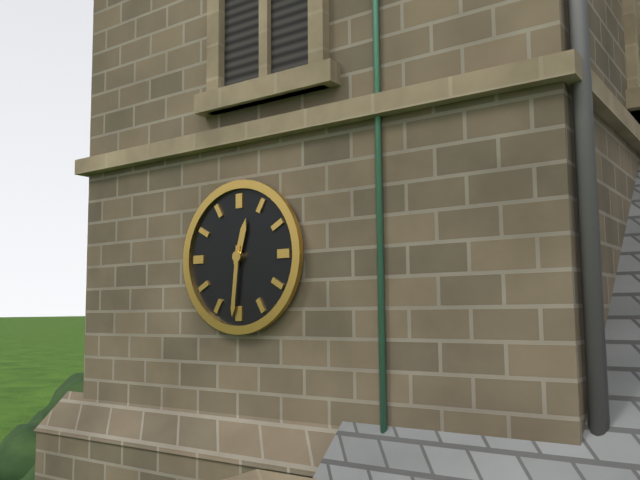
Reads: 12 h 31 min
